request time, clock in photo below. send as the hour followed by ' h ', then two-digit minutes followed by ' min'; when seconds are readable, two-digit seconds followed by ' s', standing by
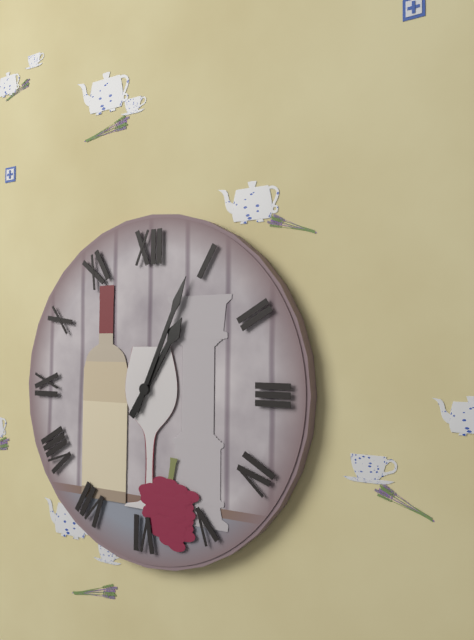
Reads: 1 h 04 min
